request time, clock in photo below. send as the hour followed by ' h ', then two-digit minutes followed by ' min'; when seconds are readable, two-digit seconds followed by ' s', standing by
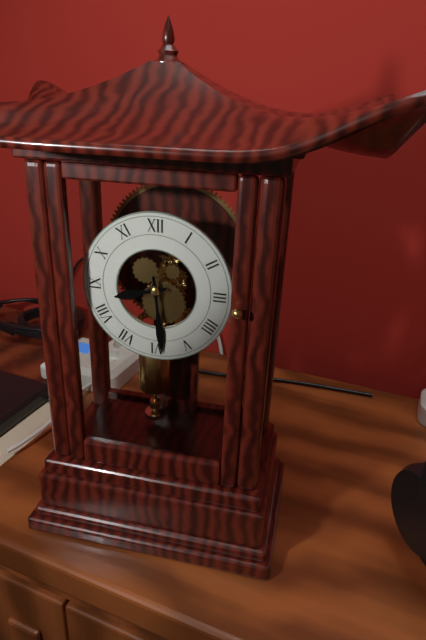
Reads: 8 h 29 min
